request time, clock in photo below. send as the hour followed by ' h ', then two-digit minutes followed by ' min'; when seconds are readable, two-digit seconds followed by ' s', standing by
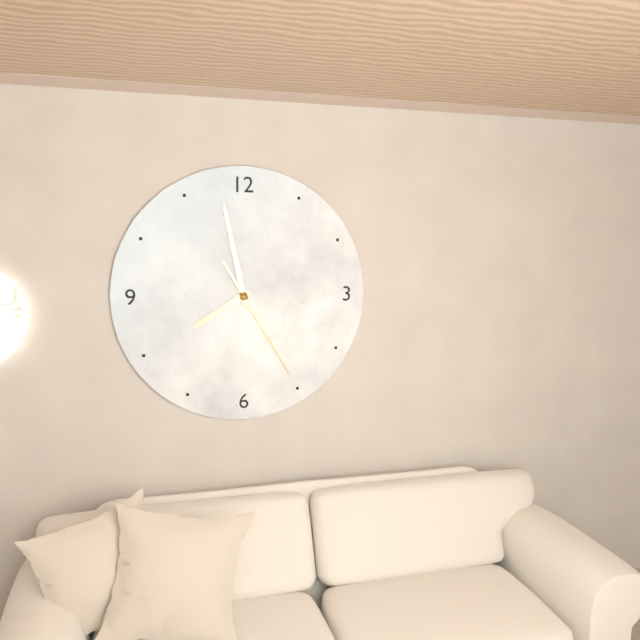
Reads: 7 h 58 min 25 s
